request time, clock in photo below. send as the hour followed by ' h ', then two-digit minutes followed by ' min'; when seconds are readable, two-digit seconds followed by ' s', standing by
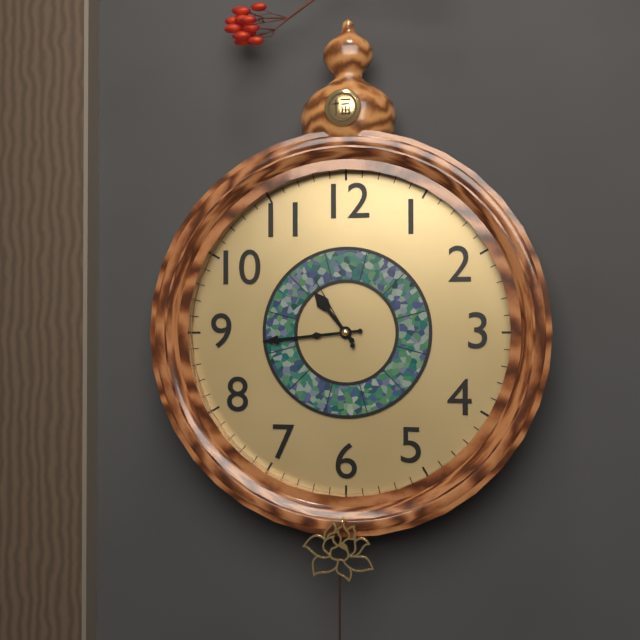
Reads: 10 h 44 min 55 s
